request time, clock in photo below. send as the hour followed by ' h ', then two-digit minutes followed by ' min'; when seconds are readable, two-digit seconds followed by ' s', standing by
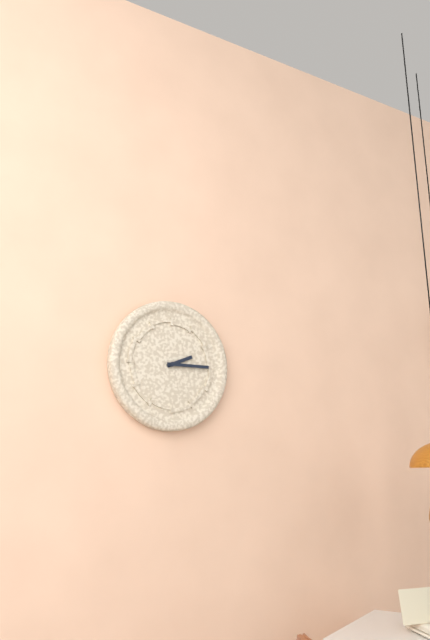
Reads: 2 h 15 min
